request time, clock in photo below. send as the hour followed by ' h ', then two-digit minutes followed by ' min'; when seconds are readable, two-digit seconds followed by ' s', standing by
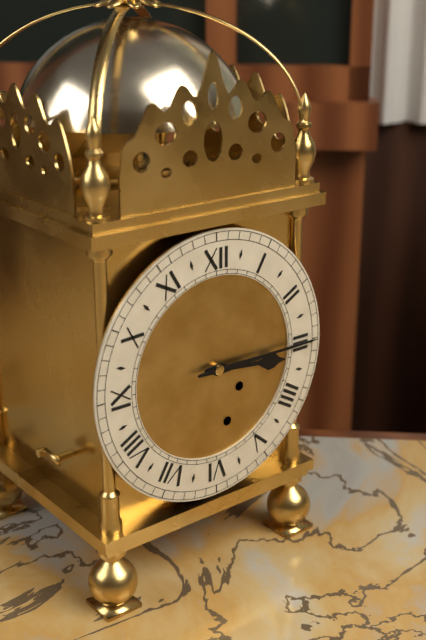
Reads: 3 h 15 min
